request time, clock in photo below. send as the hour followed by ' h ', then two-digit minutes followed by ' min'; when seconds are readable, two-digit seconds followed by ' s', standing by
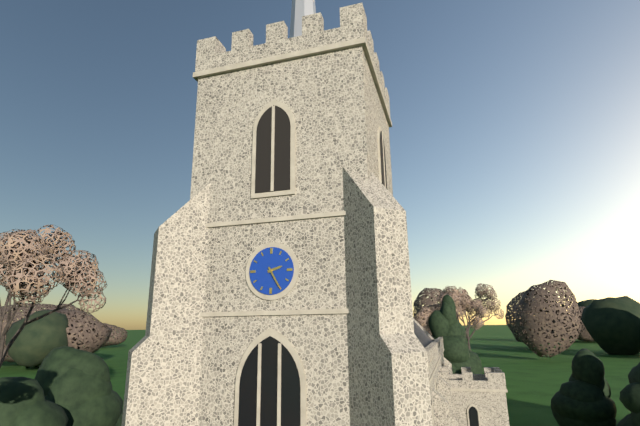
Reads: 2 h 25 min
